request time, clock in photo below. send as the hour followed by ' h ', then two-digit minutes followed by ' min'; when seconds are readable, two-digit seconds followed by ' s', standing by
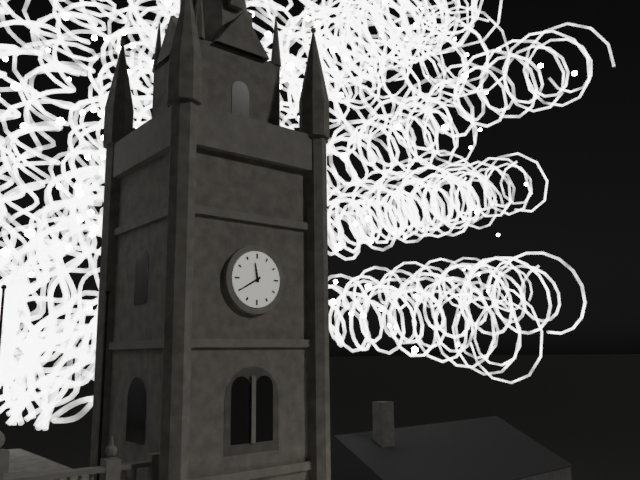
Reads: 11 h 40 min
